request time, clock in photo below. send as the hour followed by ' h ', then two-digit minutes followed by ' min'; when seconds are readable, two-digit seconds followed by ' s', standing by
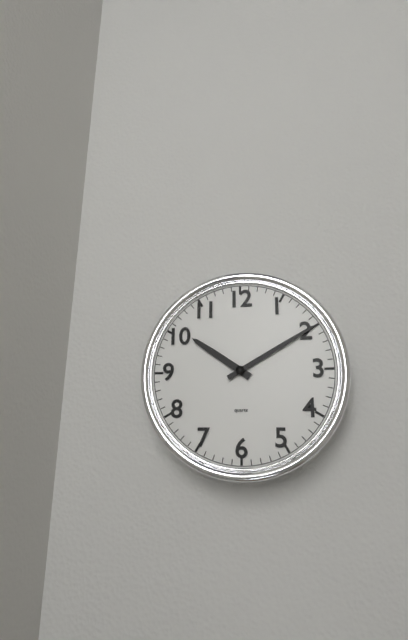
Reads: 10 h 10 min
